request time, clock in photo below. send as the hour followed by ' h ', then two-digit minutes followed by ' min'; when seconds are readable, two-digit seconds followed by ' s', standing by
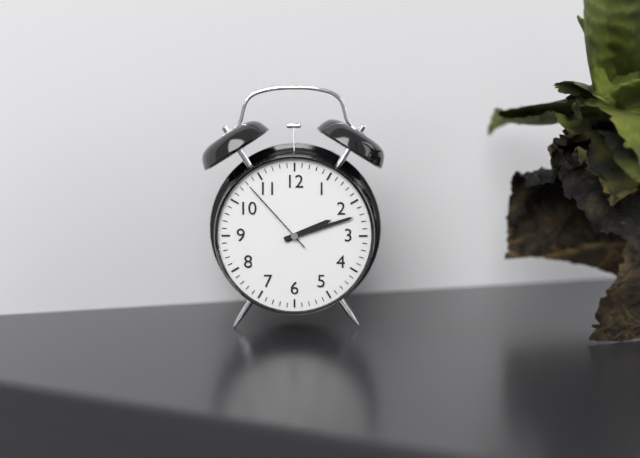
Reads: 2 h 12 min 53 s
